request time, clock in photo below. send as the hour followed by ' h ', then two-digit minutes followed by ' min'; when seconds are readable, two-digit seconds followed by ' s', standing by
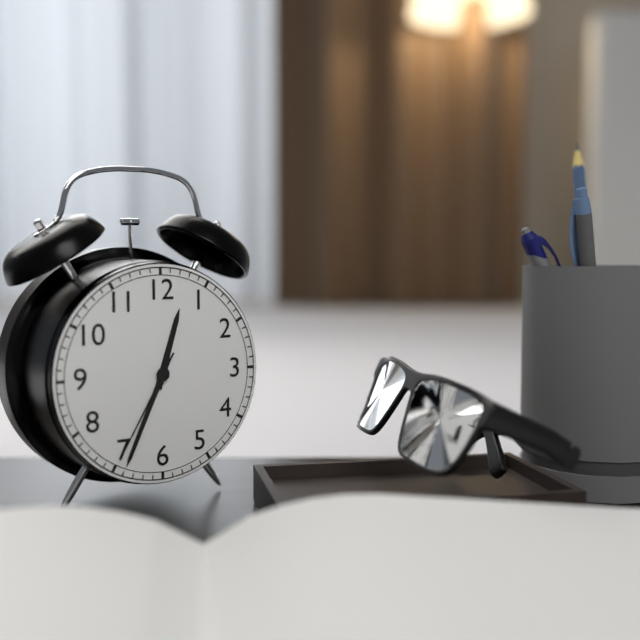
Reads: 12 h 34 min 35 s
